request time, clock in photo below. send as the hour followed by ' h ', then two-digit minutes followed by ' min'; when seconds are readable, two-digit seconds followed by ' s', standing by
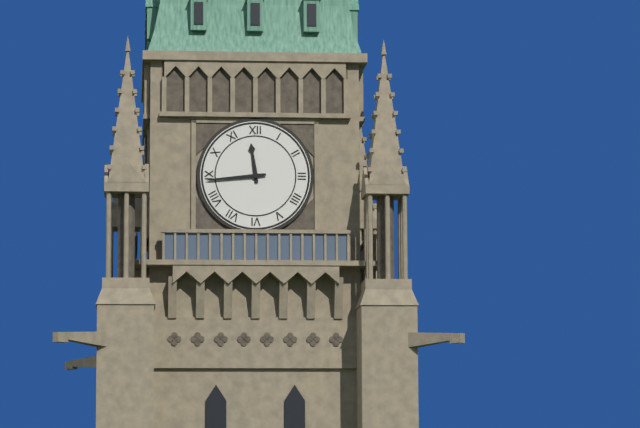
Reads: 11 h 44 min
